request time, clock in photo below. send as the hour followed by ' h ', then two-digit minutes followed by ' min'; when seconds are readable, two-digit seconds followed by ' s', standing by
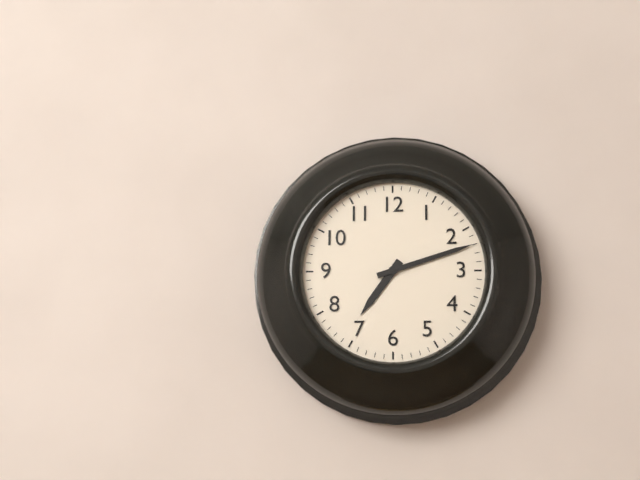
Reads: 7 h 12 min
